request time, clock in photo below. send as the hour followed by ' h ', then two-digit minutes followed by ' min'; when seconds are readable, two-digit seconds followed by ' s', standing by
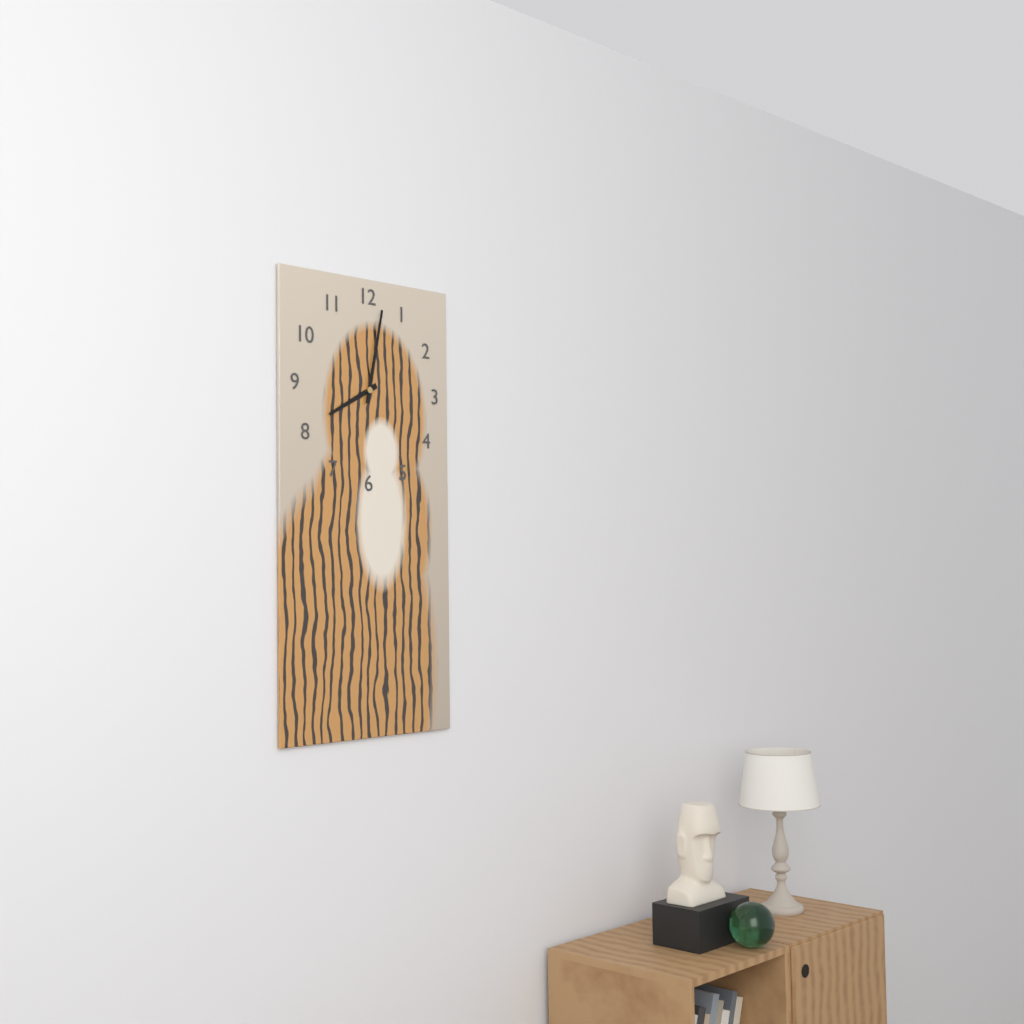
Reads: 8 h 02 min
